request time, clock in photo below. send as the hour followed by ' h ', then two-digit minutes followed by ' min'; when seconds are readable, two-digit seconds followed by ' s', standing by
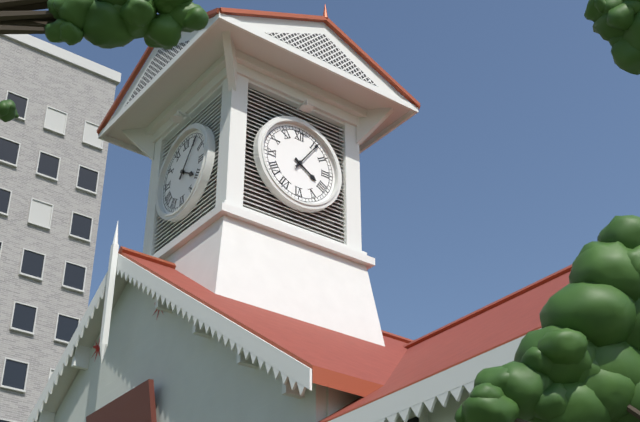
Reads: 4 h 06 min
